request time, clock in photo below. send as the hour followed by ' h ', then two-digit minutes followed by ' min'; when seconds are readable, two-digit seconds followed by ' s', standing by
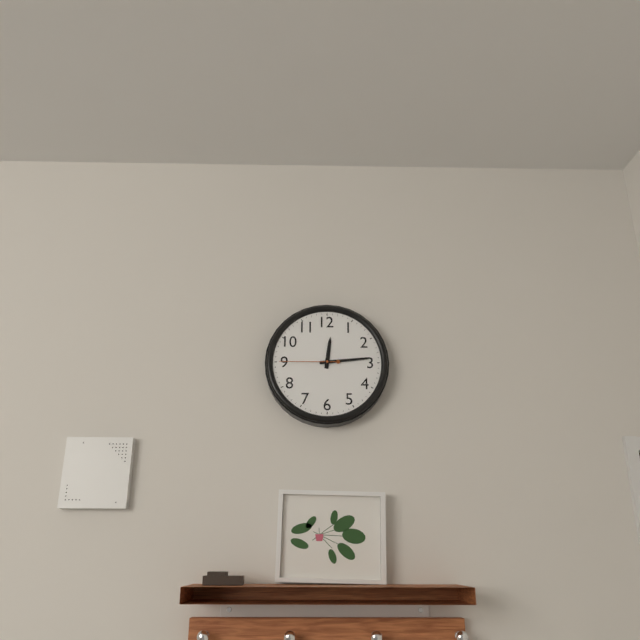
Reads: 12 h 14 min 45 s
